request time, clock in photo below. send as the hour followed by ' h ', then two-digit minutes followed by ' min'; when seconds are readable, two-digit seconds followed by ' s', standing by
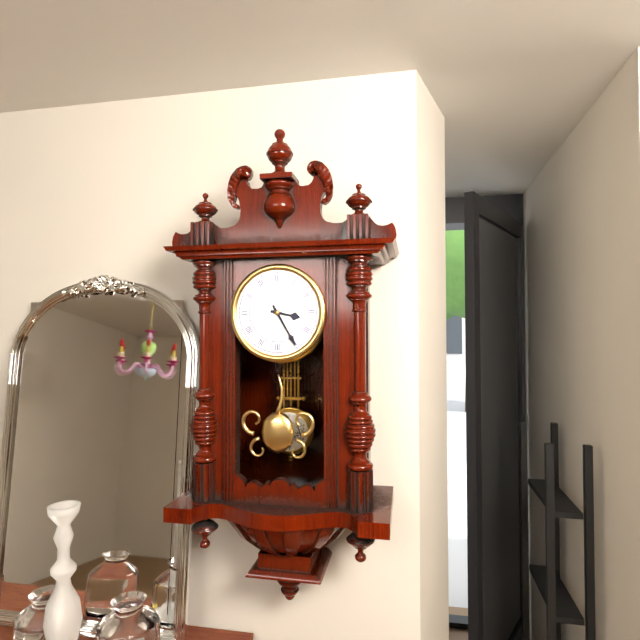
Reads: 3 h 25 min
